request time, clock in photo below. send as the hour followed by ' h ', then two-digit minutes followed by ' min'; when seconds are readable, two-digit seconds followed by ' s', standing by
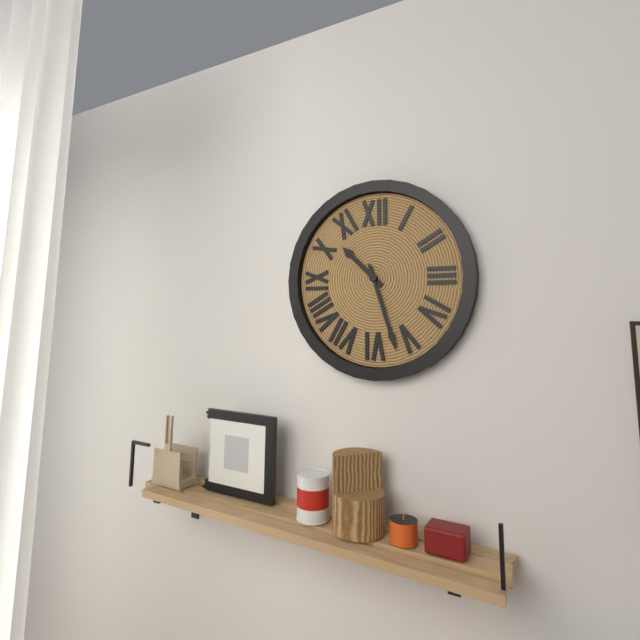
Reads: 10 h 27 min
